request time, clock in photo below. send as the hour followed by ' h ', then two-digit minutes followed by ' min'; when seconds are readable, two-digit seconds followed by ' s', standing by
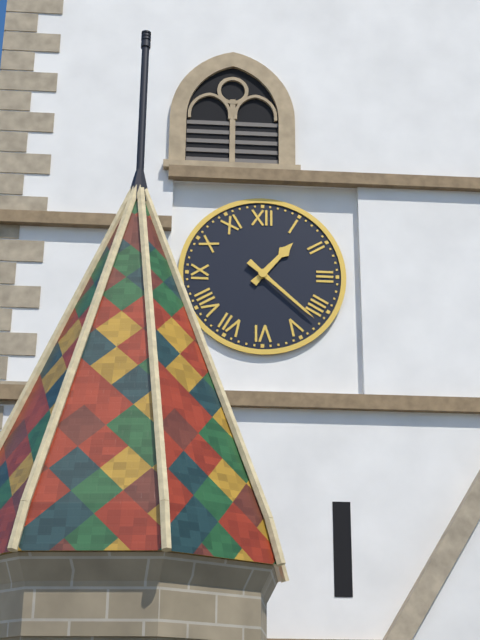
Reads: 1 h 22 min
